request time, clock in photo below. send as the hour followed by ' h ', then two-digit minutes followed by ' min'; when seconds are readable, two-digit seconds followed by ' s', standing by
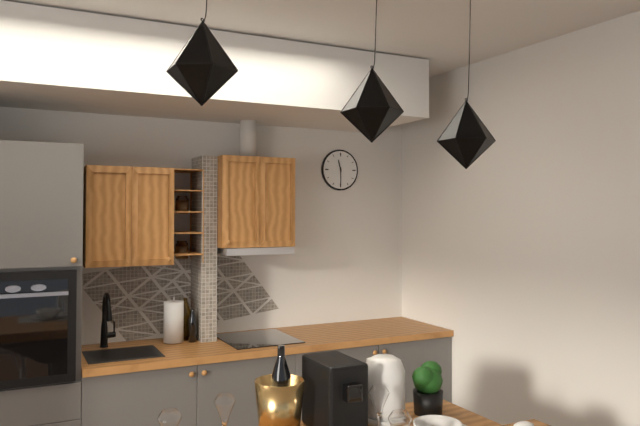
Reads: 11 h 30 min
